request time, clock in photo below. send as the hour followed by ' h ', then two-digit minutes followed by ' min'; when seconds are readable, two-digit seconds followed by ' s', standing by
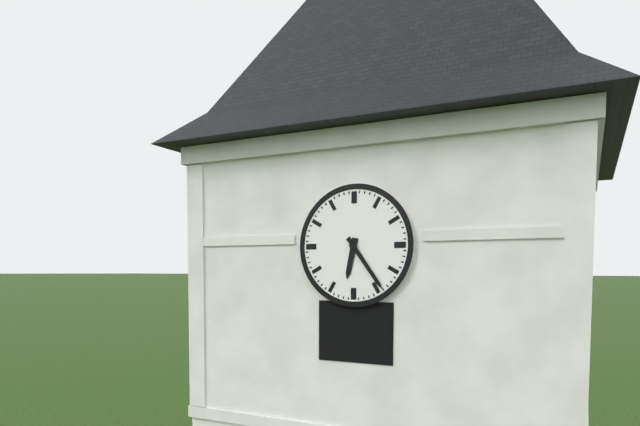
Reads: 6 h 24 min
